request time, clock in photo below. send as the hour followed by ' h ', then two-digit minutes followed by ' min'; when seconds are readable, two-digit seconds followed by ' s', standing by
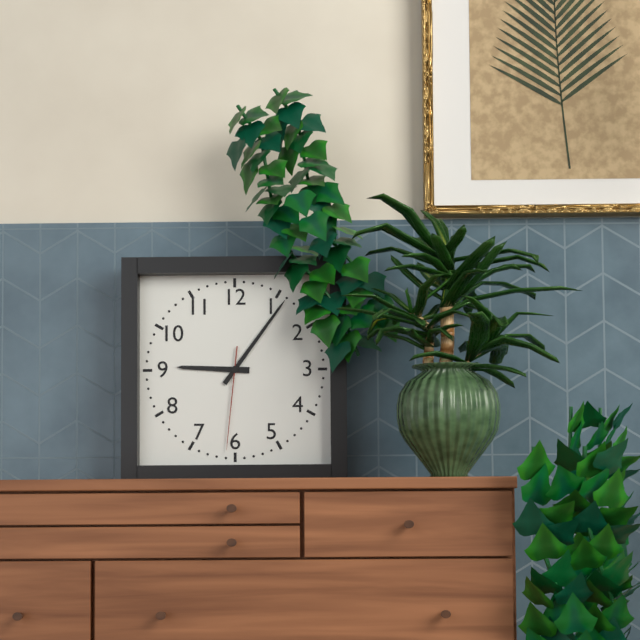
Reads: 9 h 06 min 31 s
